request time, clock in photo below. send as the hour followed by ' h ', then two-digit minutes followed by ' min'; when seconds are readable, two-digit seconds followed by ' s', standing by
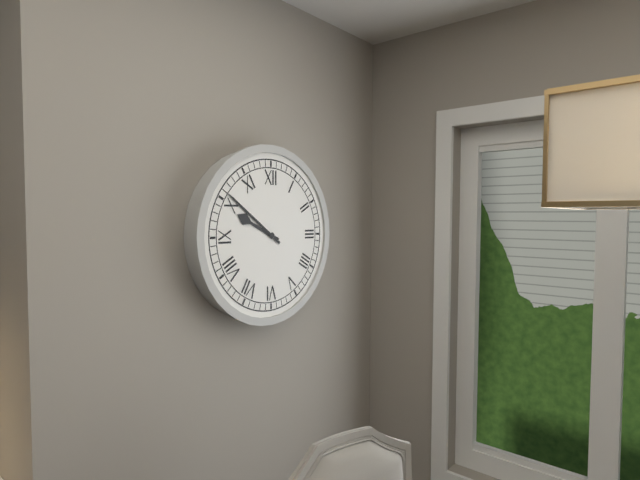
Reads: 9 h 51 min
